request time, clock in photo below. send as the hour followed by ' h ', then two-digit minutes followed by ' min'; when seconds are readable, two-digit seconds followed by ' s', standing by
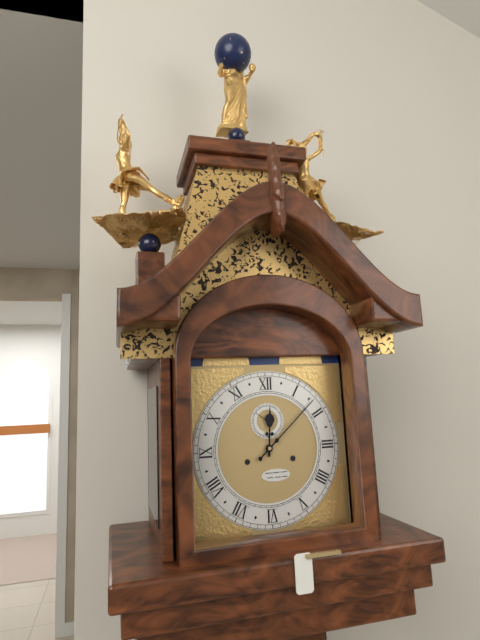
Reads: 12 h 08 min
